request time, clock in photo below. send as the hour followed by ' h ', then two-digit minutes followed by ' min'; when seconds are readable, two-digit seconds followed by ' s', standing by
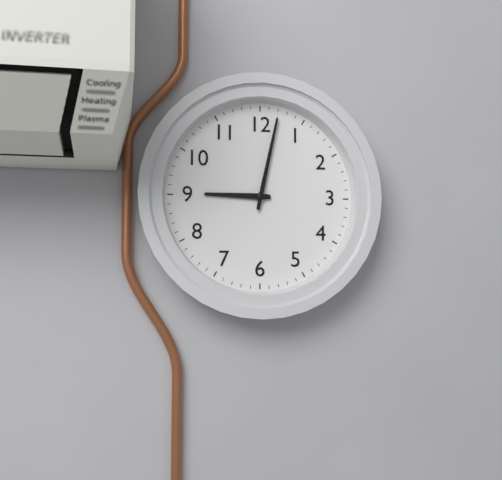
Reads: 9 h 02 min
